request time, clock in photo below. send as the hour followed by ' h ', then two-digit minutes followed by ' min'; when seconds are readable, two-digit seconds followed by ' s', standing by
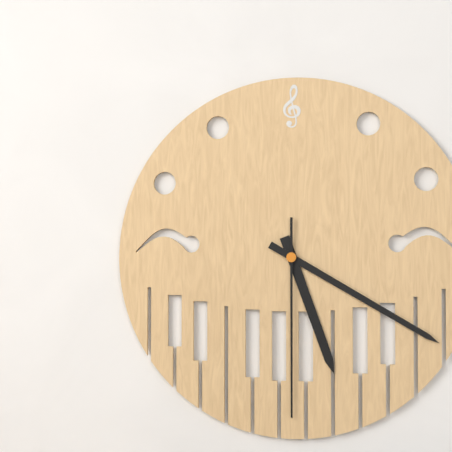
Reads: 5 h 20 min 30 s
